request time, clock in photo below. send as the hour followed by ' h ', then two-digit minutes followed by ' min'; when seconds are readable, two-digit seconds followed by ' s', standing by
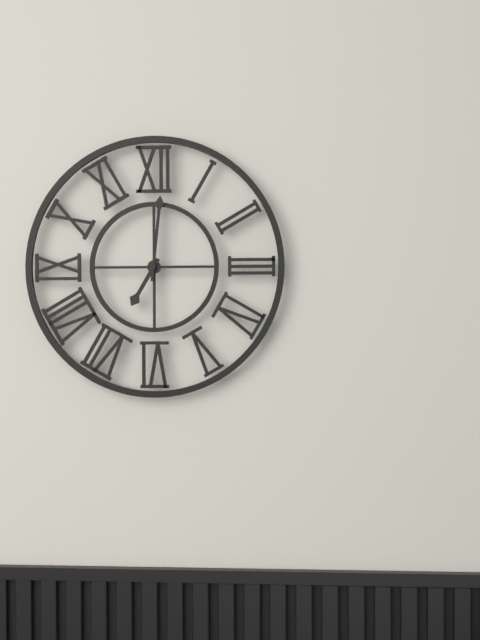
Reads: 7 h 01 min
